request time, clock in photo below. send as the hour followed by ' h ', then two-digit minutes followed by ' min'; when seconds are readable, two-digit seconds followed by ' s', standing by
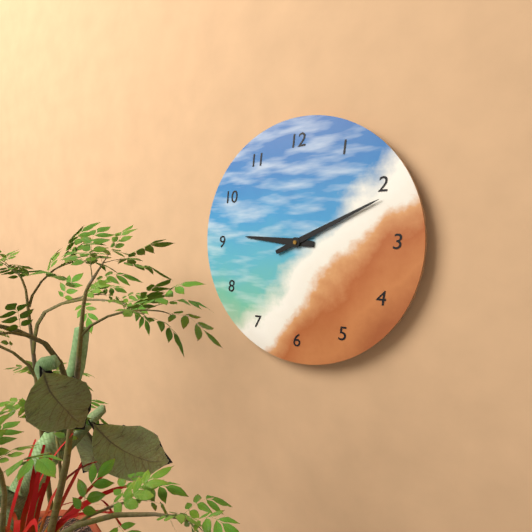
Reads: 9 h 11 min
